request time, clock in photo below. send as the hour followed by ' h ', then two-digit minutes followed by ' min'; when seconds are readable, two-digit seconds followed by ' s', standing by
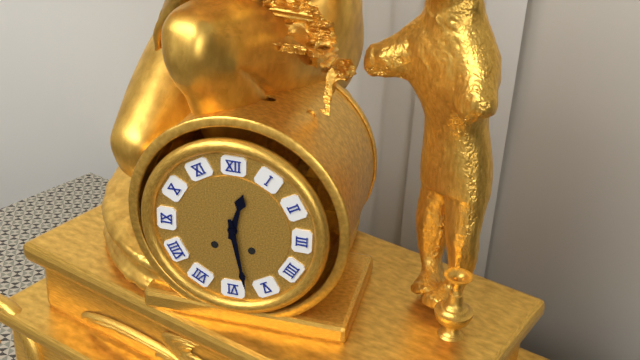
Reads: 12 h 28 min
